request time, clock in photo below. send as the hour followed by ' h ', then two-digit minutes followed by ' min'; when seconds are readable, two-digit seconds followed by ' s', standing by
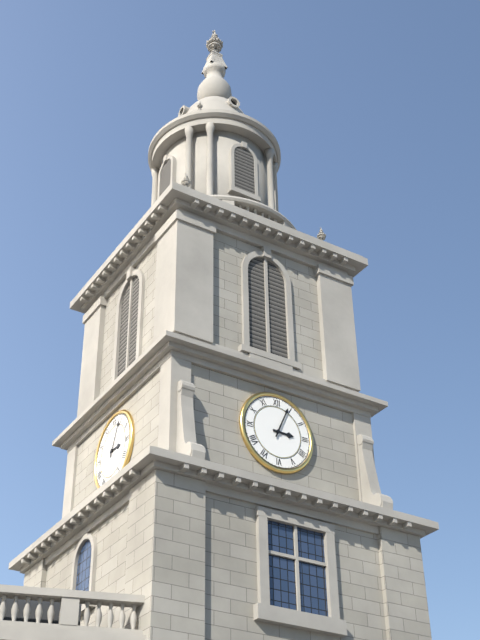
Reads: 3 h 04 min
